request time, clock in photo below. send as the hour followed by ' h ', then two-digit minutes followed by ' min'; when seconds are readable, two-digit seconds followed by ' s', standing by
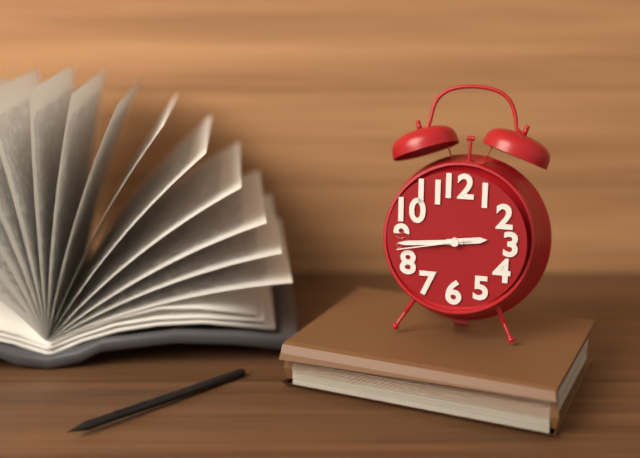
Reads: 2 h 44 min 43 s
